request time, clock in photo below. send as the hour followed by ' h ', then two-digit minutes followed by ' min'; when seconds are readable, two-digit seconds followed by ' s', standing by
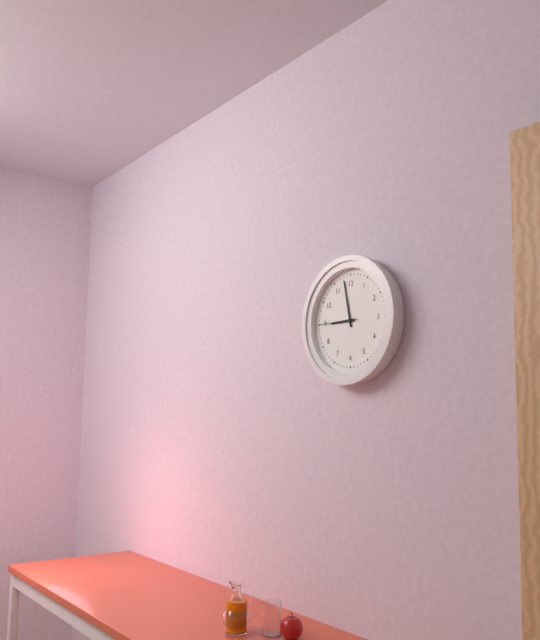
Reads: 8 h 58 min
